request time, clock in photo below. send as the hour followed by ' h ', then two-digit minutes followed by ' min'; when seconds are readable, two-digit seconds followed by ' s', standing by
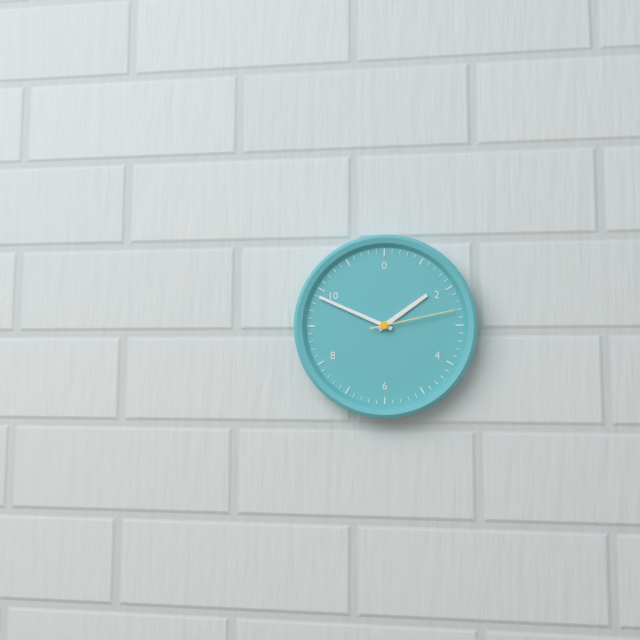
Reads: 1 h 49 min 13 s
